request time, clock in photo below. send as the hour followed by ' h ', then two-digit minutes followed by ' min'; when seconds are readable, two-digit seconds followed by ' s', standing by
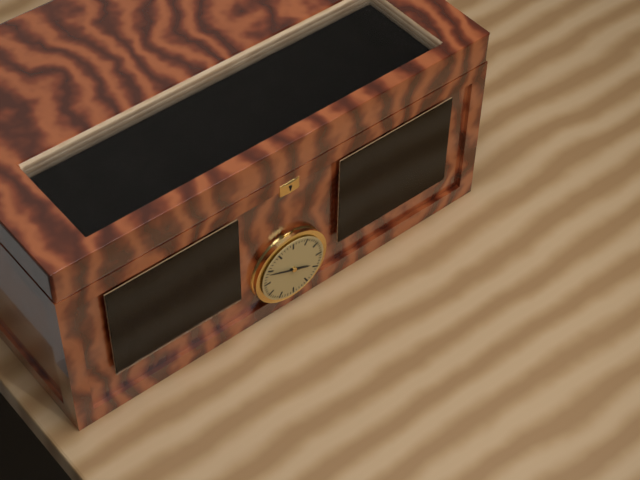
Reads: 3 h 49 min
